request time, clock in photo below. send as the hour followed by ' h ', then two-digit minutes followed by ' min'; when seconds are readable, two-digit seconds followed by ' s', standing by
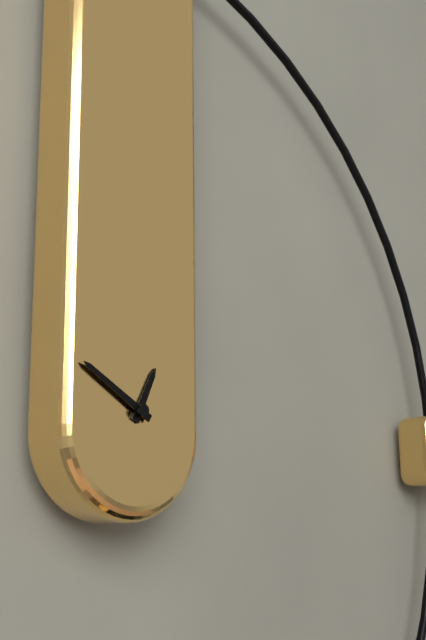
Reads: 12 h 50 min
